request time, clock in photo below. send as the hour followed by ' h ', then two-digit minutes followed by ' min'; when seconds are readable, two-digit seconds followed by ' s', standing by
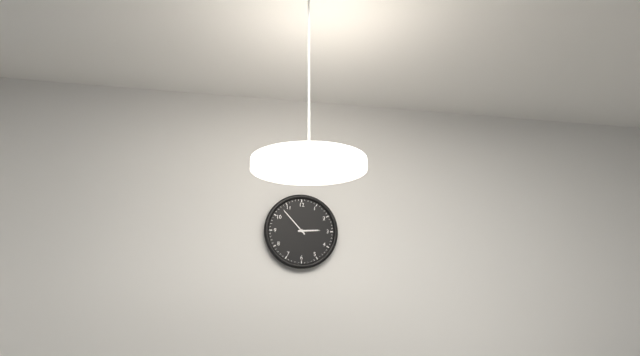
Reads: 2 h 53 min
